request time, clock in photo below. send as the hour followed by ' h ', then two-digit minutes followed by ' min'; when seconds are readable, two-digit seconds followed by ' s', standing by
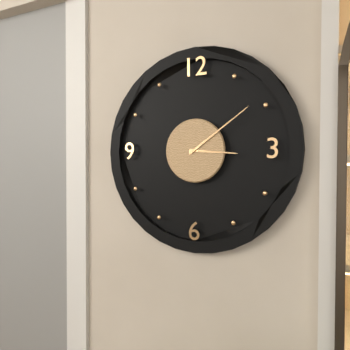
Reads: 3 h 09 min
